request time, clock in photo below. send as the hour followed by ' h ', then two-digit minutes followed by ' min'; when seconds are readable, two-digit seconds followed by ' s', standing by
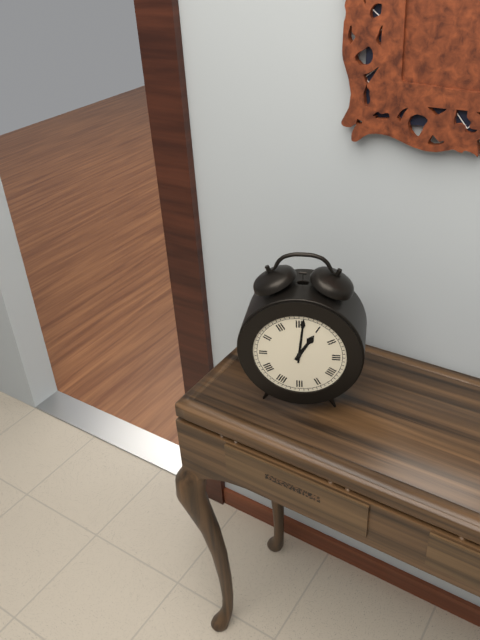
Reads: 1 h 01 min
